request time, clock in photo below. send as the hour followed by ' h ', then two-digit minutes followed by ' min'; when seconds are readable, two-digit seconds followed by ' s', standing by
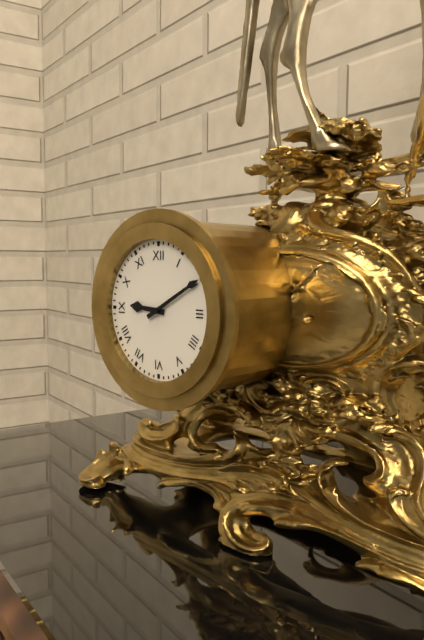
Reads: 9 h 10 min
